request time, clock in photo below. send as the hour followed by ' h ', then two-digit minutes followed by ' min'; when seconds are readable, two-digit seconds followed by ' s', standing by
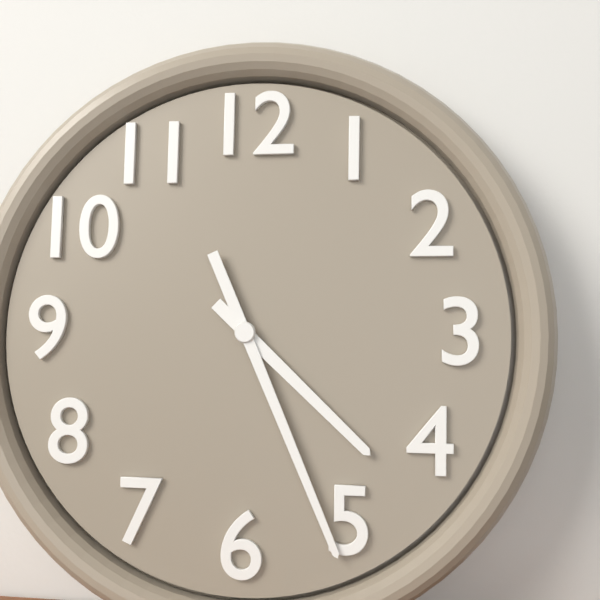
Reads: 4 h 26 min
